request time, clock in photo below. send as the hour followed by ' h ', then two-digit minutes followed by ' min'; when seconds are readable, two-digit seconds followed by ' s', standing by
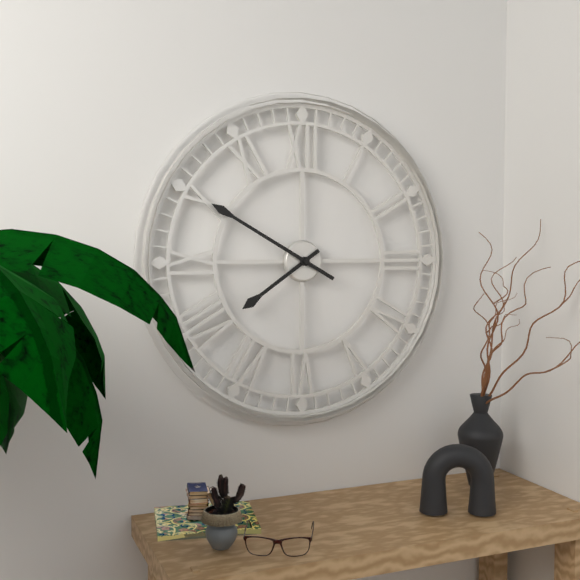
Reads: 7 h 50 min
